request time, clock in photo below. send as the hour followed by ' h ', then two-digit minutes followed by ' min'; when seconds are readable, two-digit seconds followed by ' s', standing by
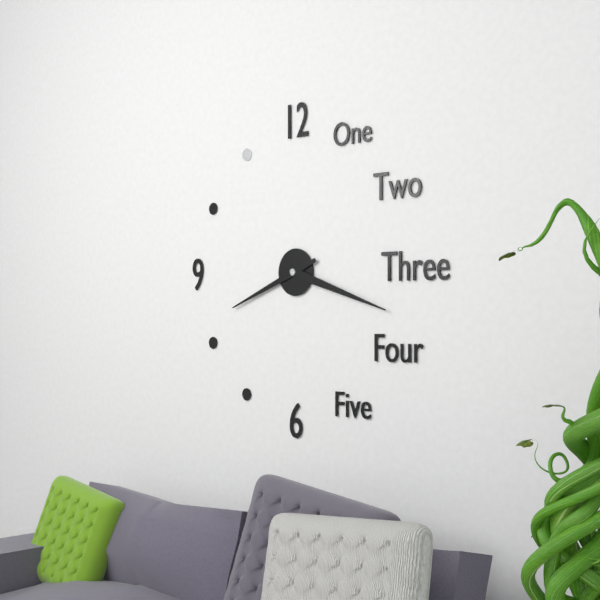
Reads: 8 h 18 min
